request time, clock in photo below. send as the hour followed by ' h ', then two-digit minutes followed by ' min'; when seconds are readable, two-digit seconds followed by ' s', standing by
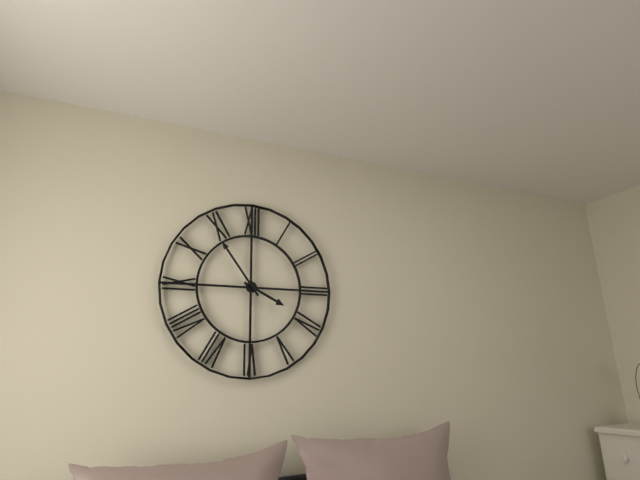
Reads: 3 h 54 min
